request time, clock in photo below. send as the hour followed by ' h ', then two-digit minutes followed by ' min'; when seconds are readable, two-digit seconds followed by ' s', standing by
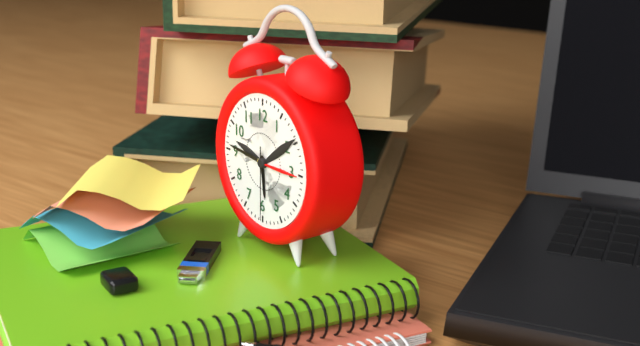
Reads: 5 h 46 min 30 s
